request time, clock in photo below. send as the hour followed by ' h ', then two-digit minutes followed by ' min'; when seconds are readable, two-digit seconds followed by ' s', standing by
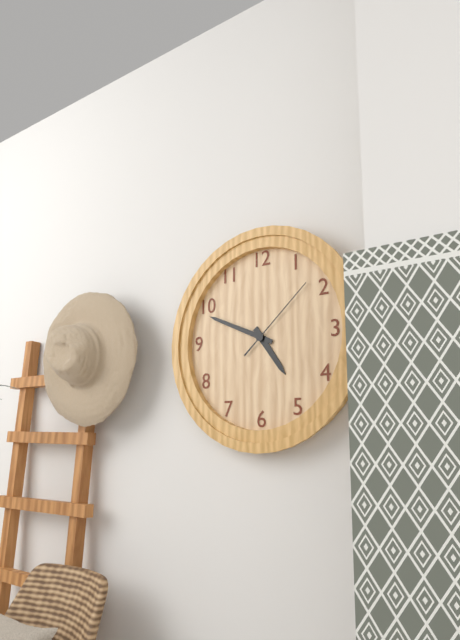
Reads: 4 h 49 min 08 s
